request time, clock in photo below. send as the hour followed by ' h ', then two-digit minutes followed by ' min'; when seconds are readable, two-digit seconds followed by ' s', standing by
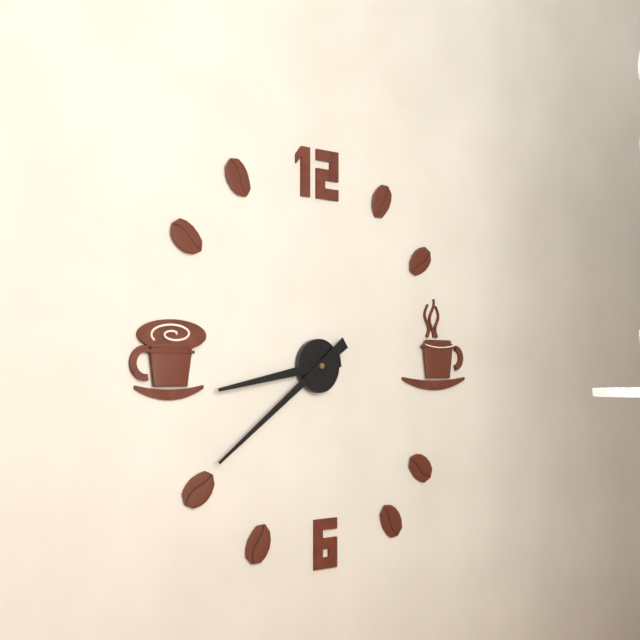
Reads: 8 h 39 min
